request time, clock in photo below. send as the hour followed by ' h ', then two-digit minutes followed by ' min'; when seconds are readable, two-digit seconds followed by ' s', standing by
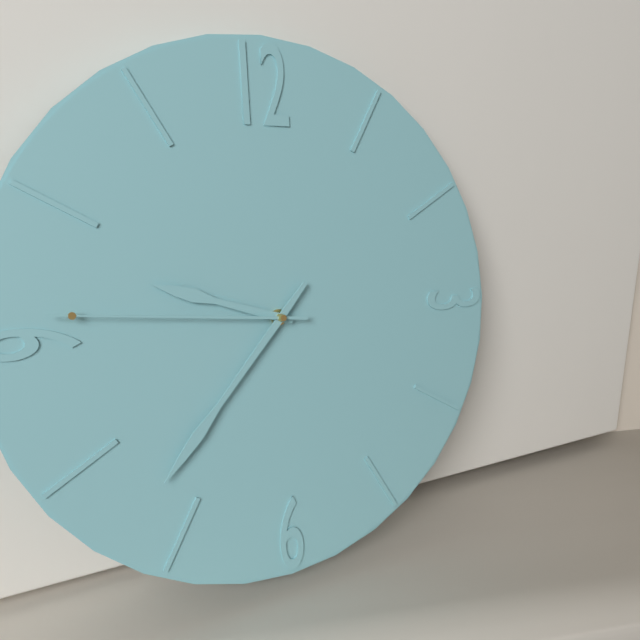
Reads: 9 h 37 min 46 s
